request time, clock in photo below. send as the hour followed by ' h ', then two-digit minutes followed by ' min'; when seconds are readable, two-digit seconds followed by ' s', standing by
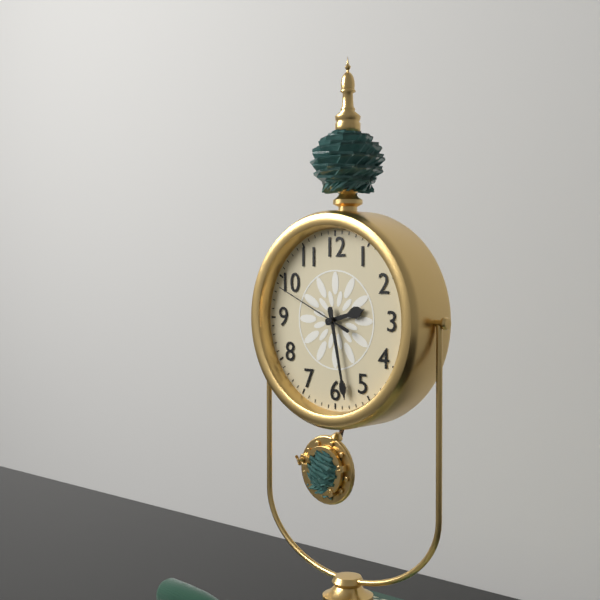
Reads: 2 h 28 min 49 s
